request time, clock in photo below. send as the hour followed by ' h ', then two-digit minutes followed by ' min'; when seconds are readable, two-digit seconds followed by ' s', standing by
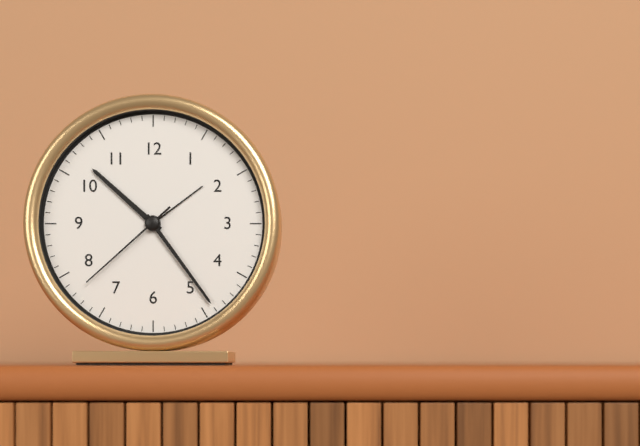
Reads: 10 h 24 min 38 s
